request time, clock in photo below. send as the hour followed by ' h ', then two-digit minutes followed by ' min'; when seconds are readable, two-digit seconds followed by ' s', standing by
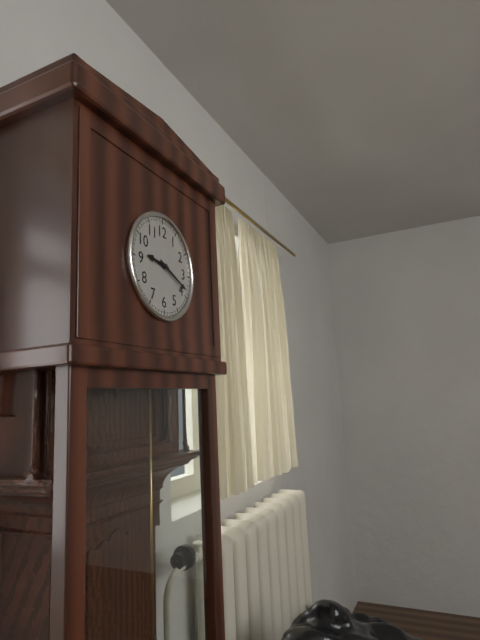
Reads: 9 h 19 min
